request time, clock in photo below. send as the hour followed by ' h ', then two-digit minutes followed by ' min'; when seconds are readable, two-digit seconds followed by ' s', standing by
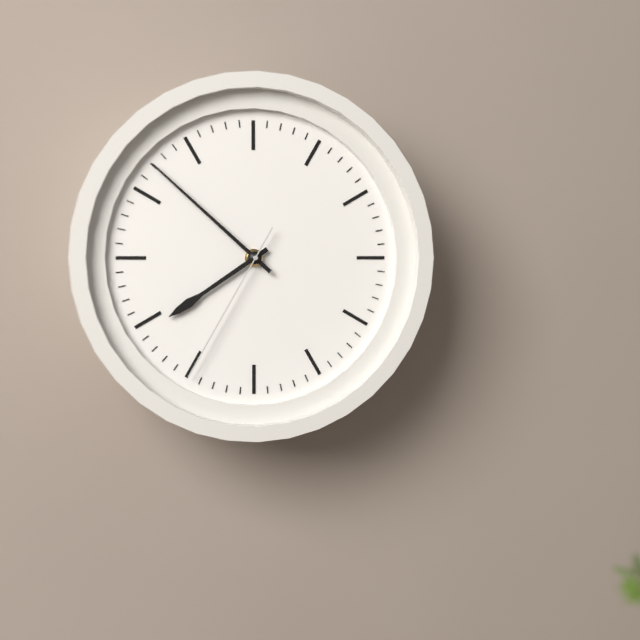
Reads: 7 h 52 min 35 s
